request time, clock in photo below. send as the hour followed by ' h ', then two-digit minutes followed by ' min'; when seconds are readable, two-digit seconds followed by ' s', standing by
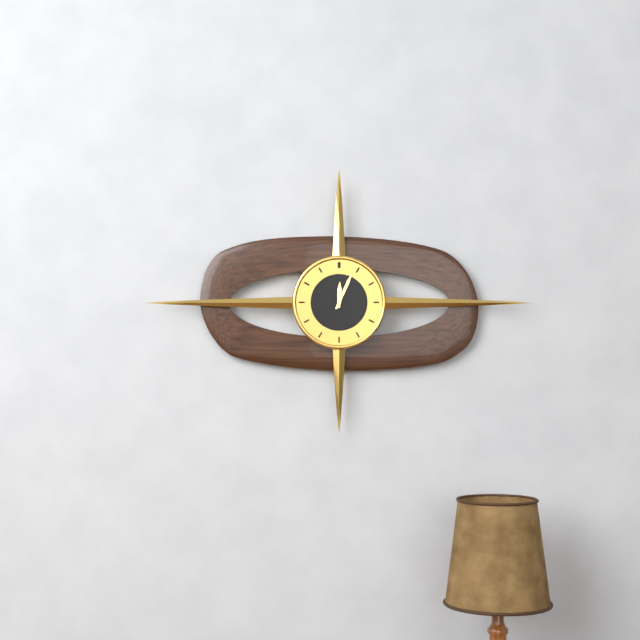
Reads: 12 h 04 min
